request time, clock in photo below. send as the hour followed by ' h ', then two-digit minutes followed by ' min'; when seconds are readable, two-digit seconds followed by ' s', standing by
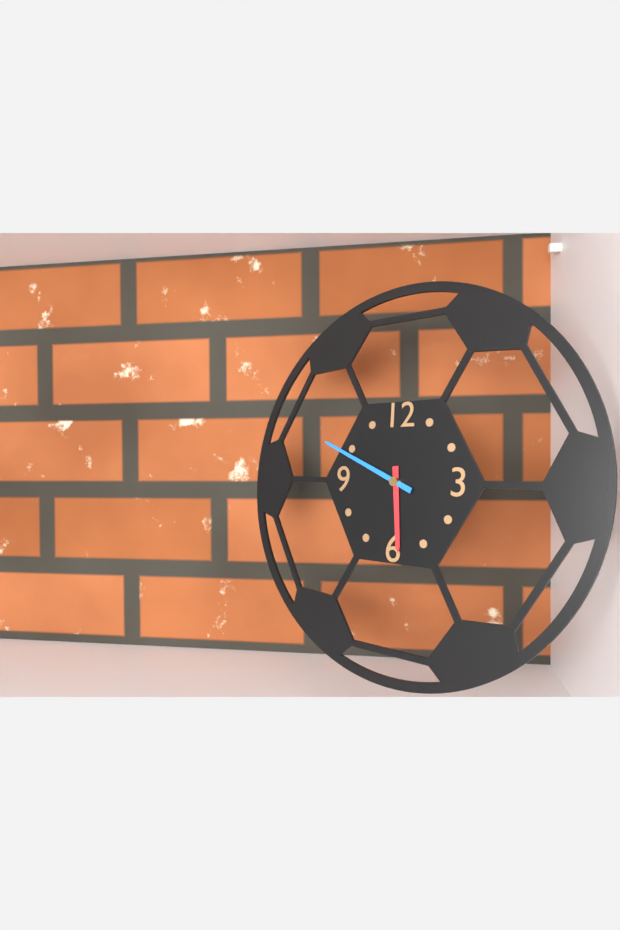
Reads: 5 h 49 min
